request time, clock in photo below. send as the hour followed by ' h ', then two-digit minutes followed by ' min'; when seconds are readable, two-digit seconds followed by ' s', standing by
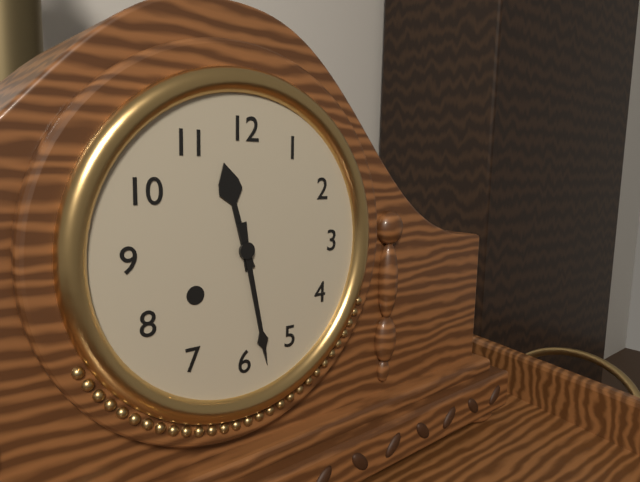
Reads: 11 h 28 min
